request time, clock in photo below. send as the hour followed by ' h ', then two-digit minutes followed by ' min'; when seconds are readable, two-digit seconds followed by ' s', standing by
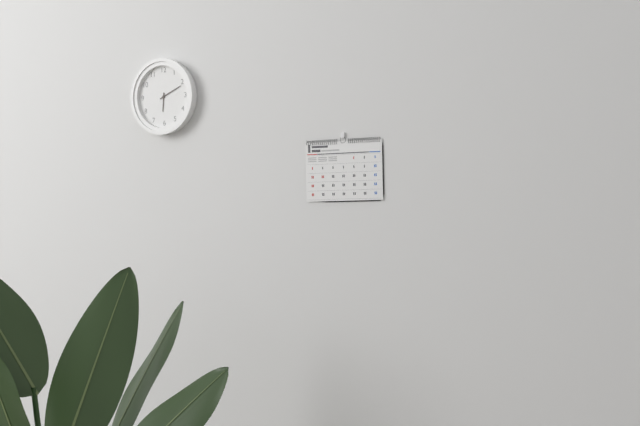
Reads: 6 h 11 min
